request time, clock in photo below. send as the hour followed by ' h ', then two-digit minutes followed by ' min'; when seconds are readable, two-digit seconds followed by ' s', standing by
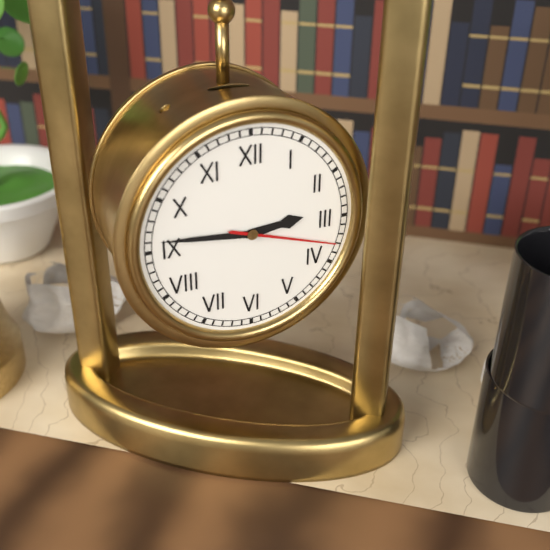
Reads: 2 h 46 min 18 s
